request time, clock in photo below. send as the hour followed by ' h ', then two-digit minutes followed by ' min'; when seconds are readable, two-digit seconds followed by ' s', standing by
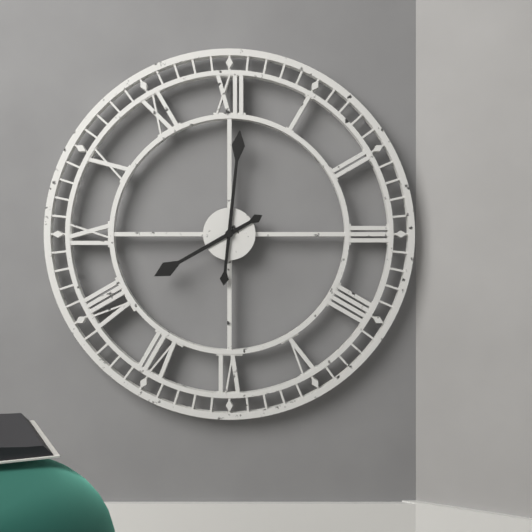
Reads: 8 h 01 min
